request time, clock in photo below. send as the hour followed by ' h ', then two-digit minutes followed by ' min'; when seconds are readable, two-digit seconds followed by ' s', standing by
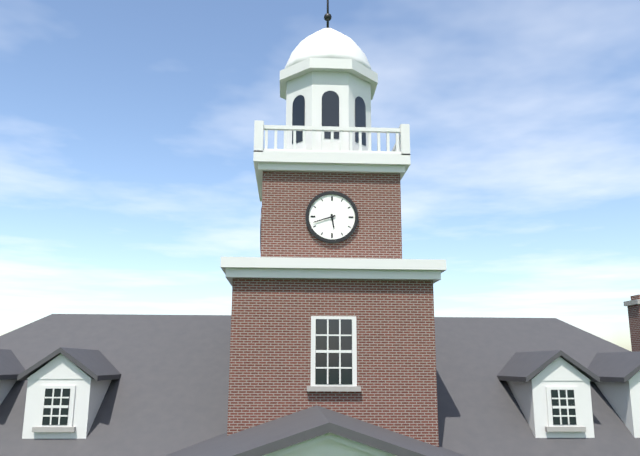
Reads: 5 h 42 min
